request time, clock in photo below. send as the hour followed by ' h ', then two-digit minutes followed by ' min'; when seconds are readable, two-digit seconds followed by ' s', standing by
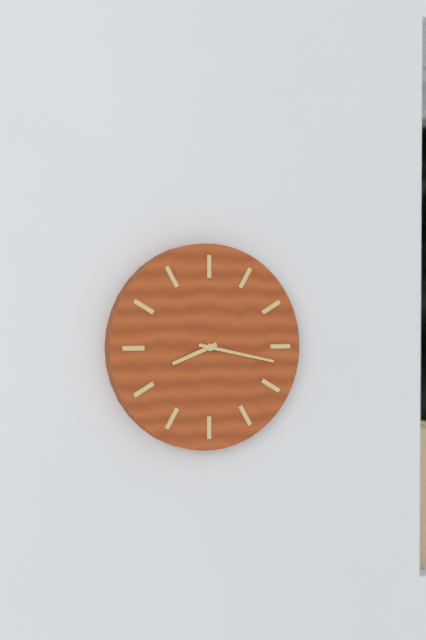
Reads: 8 h 17 min
